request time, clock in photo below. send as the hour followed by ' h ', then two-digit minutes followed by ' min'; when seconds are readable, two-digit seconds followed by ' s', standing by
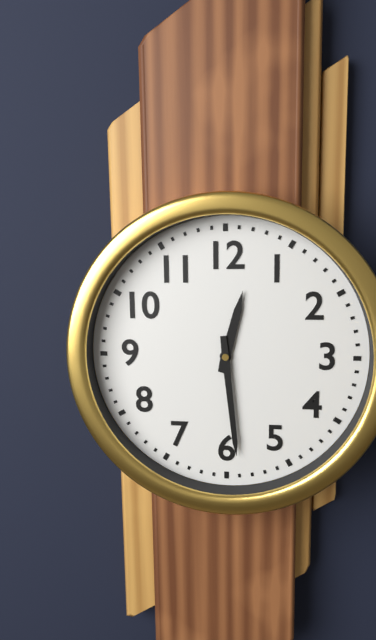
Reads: 12 h 29 min
